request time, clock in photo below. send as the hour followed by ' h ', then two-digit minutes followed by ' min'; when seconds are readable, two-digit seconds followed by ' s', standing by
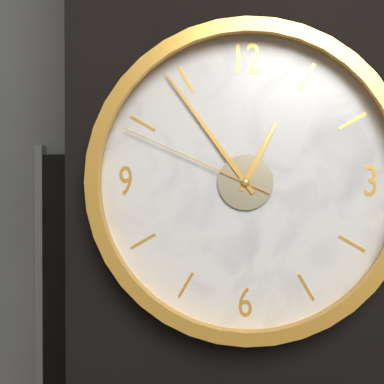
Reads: 12 h 54 min 49 s
